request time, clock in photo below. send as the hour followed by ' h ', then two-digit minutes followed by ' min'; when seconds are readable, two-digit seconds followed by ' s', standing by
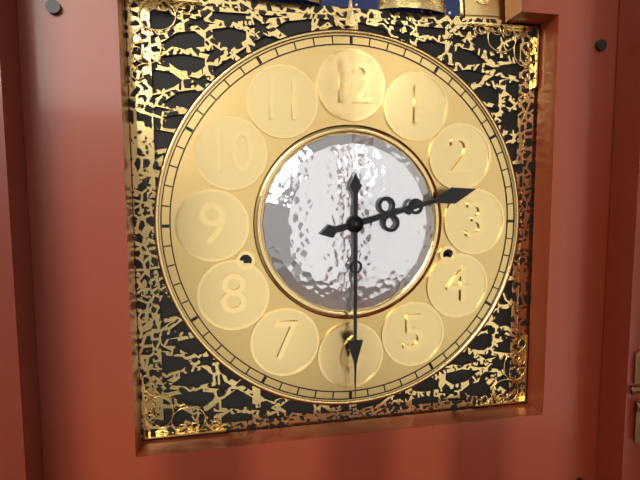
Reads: 2 h 30 min
